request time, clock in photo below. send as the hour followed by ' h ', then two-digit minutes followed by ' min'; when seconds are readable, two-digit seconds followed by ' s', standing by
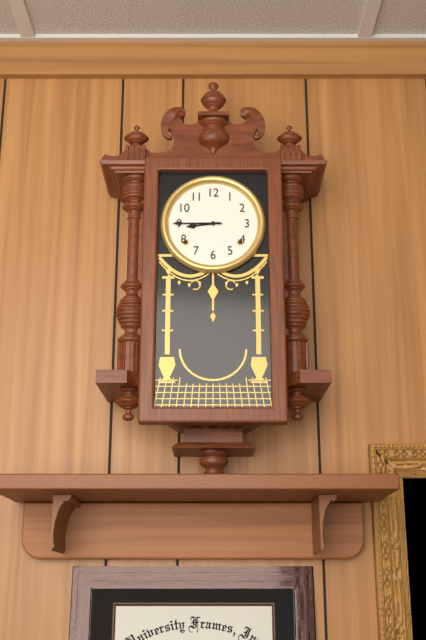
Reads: 8 h 45 min
